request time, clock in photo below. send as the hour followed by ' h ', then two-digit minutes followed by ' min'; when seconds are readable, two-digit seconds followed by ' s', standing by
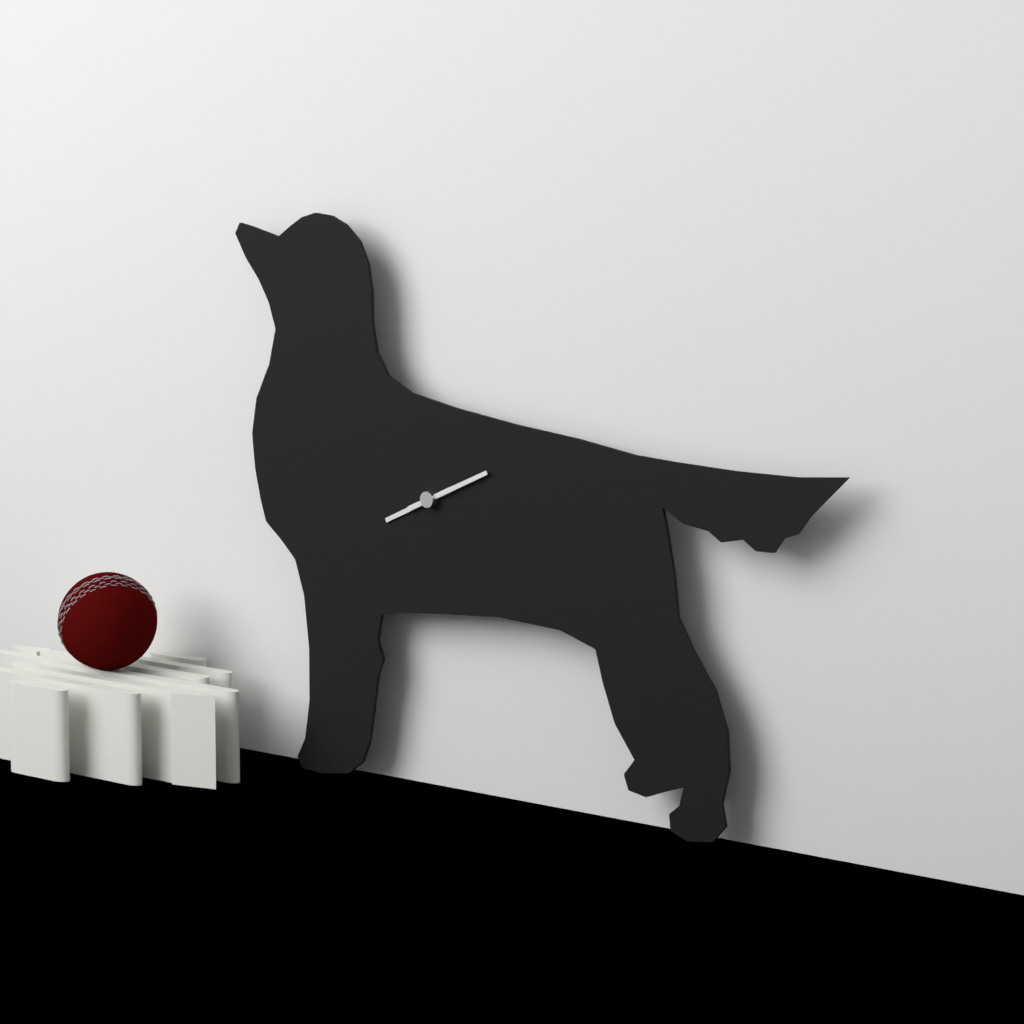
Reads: 8 h 11 min
